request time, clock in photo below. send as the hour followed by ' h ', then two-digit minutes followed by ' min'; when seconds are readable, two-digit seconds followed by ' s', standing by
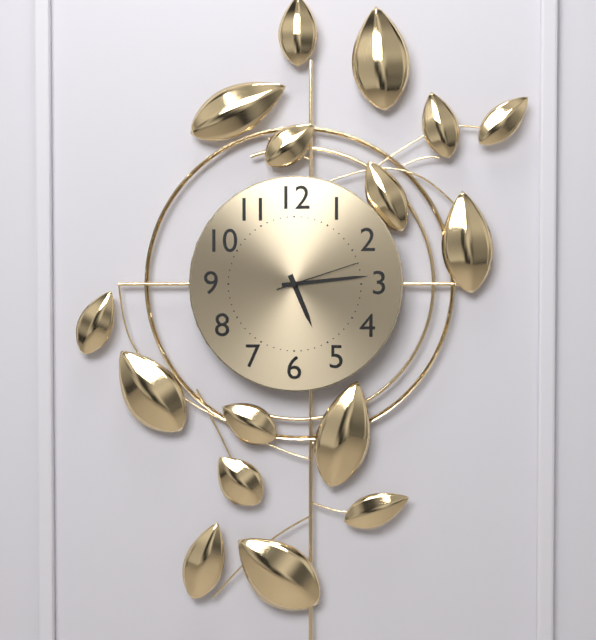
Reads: 5 h 14 min 12 s
